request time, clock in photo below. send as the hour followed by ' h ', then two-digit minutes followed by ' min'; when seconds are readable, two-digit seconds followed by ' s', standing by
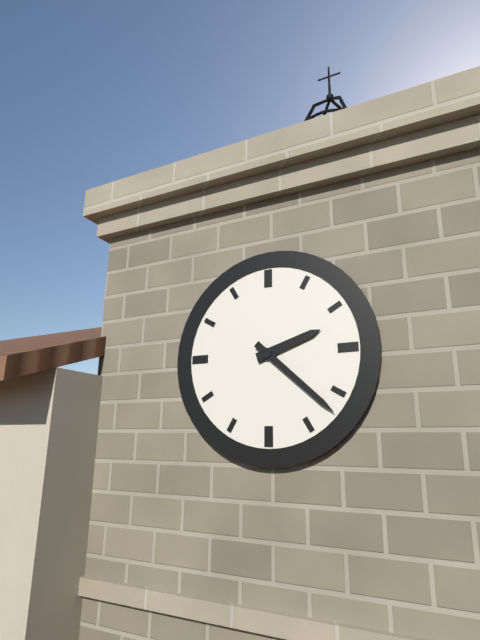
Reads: 2 h 22 min
